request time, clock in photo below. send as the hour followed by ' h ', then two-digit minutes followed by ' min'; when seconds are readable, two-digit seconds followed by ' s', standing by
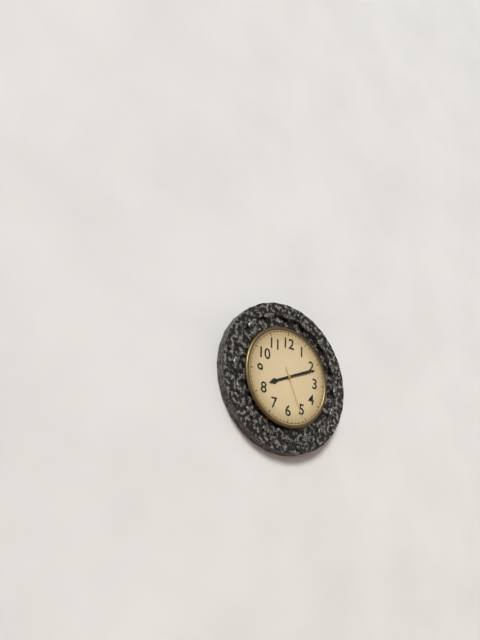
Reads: 8 h 11 min 26 s
